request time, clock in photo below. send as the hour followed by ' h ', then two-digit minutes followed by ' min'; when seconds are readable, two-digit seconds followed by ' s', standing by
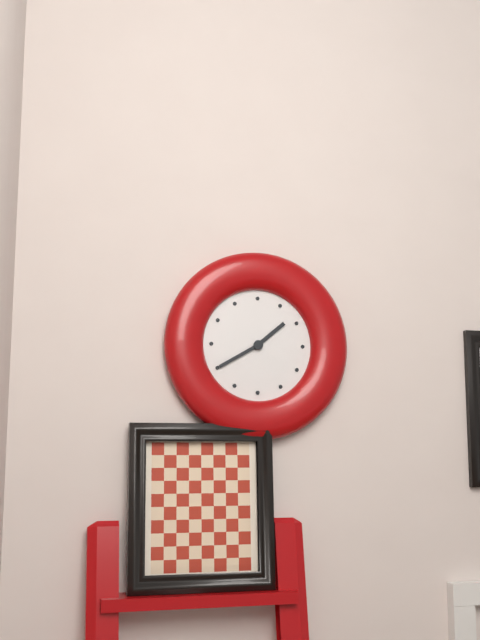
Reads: 1 h 40 min
